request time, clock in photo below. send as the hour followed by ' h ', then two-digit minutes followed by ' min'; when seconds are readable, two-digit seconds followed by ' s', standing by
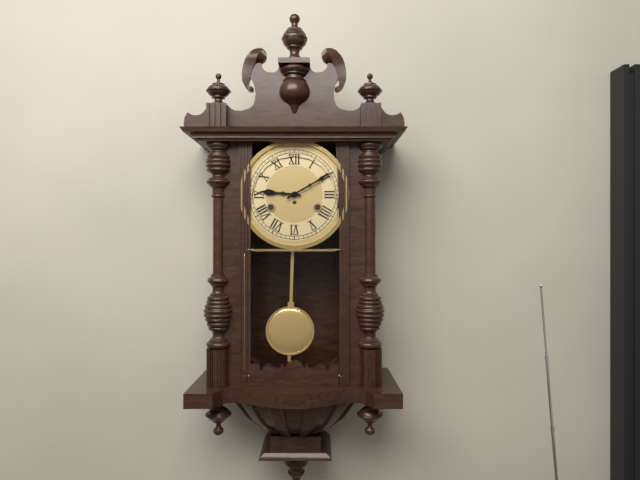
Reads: 9 h 10 min
